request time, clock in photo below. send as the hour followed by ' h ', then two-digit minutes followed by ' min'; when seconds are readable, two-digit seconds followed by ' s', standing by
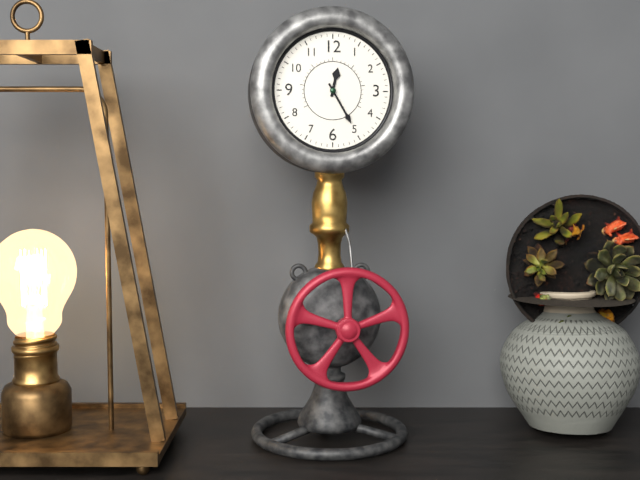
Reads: 12 h 25 min
